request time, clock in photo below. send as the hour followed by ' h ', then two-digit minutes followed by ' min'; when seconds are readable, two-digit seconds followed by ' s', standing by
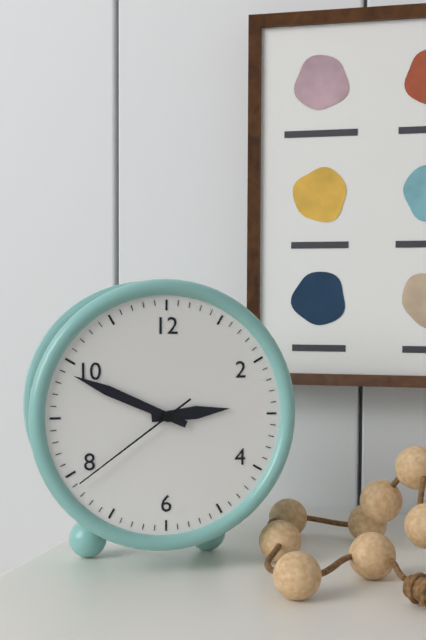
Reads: 2 h 49 min 39 s
